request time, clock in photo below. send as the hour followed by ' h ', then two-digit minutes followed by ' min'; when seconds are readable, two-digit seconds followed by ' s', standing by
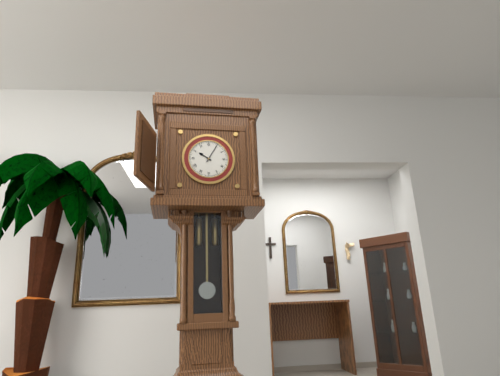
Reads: 10 h 05 min
